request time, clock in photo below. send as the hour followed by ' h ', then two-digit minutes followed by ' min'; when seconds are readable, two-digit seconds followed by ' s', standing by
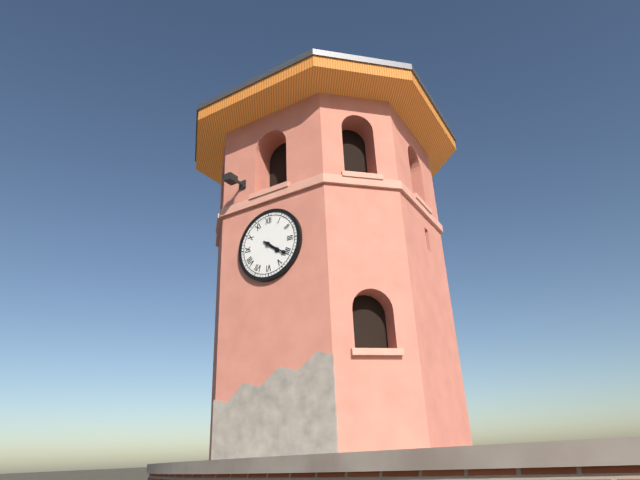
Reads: 4 h 21 min
